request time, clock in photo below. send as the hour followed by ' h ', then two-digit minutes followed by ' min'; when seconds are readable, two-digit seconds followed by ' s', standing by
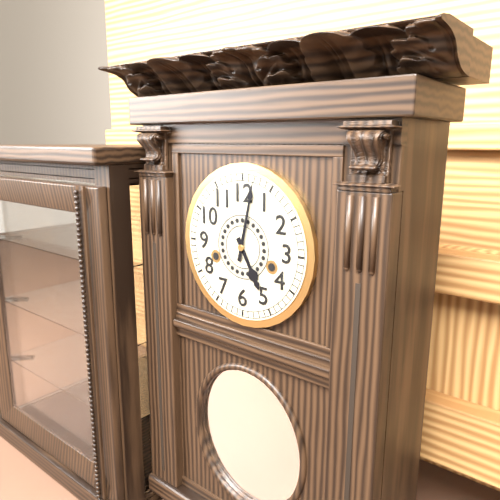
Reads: 5 h 02 min
